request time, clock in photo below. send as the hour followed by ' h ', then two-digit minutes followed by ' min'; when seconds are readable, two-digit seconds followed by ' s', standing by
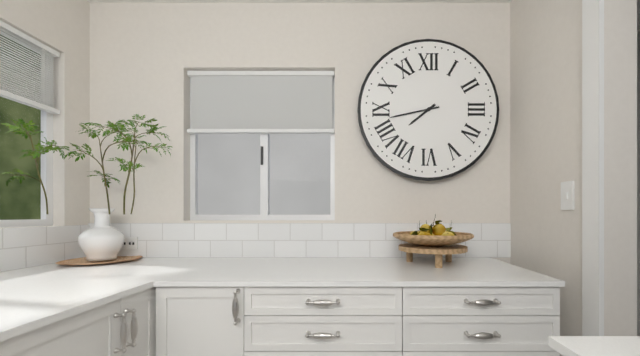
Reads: 7 h 43 min
